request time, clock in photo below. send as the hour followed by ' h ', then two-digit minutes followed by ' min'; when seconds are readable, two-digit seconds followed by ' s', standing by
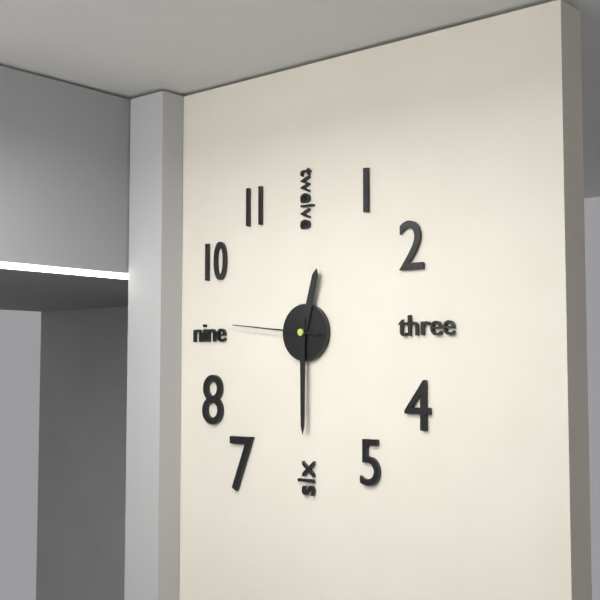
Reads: 12 h 30 min 46 s
